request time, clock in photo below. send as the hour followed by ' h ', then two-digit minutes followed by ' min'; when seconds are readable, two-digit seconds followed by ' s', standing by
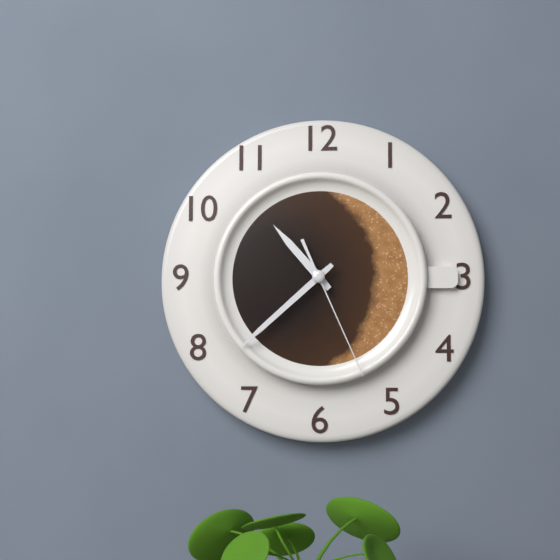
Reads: 10 h 38 min 26 s
